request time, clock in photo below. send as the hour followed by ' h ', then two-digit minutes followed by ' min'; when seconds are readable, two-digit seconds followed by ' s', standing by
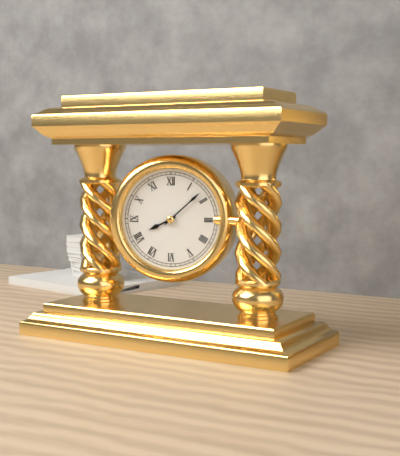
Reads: 8 h 08 min
